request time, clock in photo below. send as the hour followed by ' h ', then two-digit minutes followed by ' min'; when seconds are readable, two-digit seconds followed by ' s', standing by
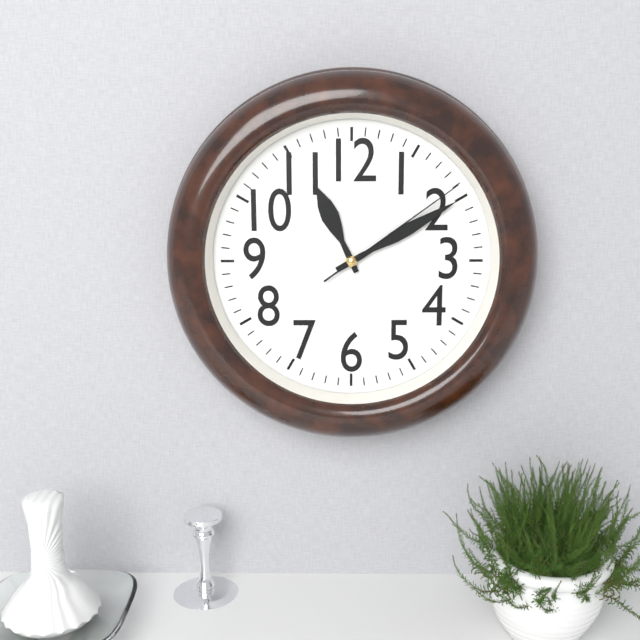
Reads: 11 h 10 min 09 s
